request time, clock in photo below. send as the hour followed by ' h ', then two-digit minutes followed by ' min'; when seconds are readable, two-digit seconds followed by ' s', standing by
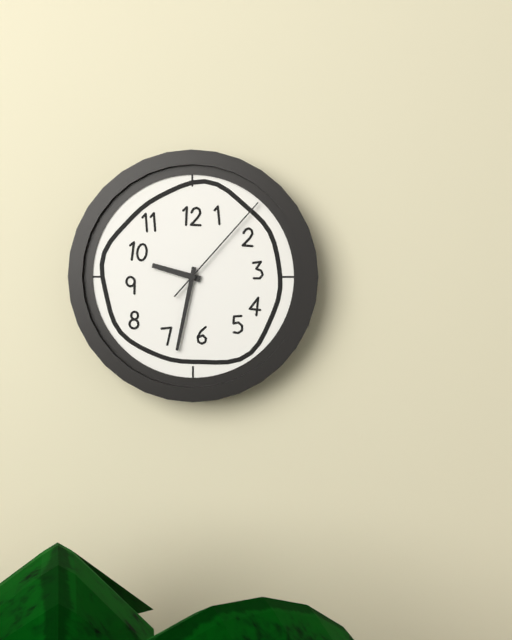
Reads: 9 h 32 min 07 s
